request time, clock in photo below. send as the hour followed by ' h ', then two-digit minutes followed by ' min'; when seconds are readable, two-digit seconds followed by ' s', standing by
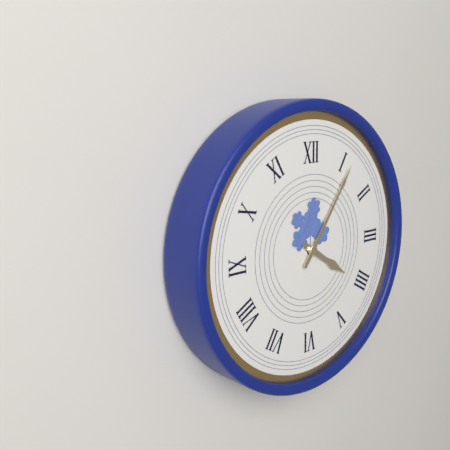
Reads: 4 h 06 min
